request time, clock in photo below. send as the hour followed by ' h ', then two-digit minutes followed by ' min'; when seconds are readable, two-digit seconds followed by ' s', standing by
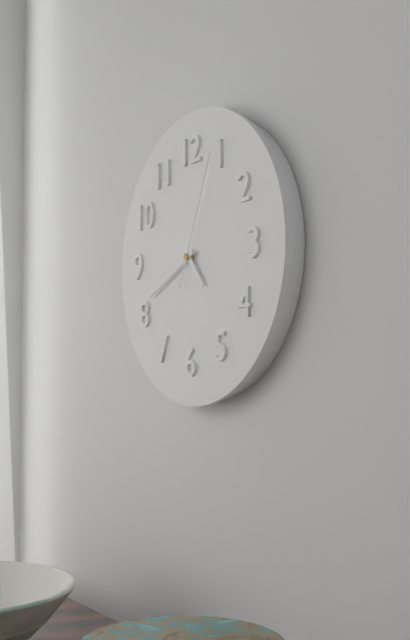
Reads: 4 h 41 min 04 s
